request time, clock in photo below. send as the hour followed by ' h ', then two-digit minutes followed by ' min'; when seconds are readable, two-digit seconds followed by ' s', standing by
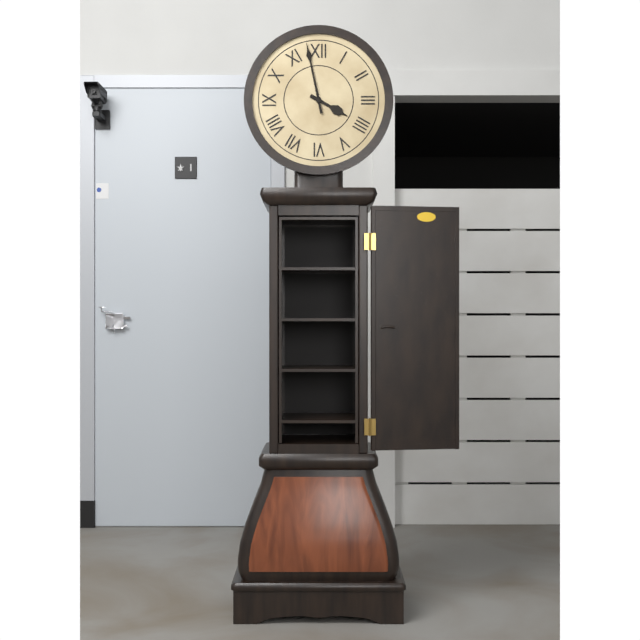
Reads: 3 h 58 min
